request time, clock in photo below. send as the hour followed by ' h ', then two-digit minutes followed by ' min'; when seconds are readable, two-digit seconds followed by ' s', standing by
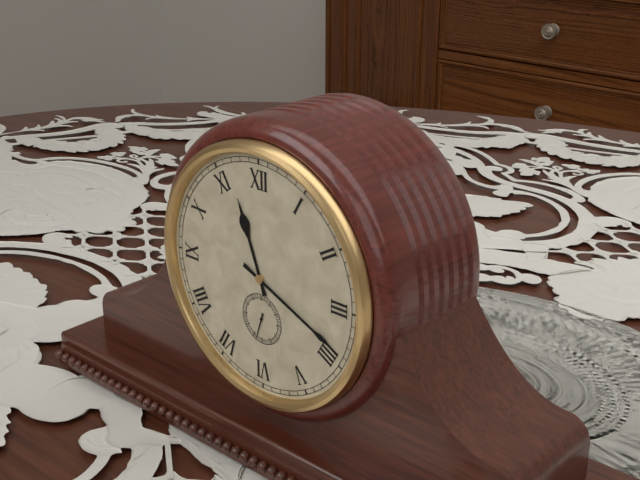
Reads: 11 h 19 min 33 s
